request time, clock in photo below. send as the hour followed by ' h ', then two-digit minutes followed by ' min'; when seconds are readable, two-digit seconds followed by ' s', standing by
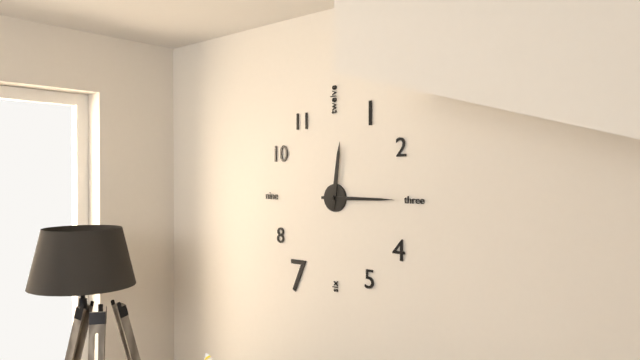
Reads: 12 h 15 min
